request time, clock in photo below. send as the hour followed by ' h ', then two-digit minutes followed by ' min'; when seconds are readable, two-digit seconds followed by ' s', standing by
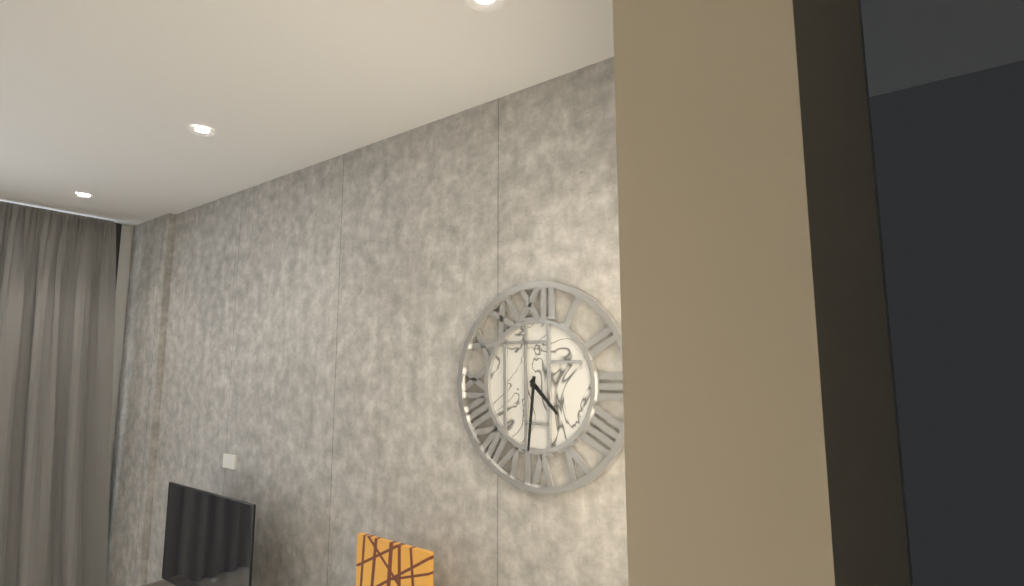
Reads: 4 h 31 min
